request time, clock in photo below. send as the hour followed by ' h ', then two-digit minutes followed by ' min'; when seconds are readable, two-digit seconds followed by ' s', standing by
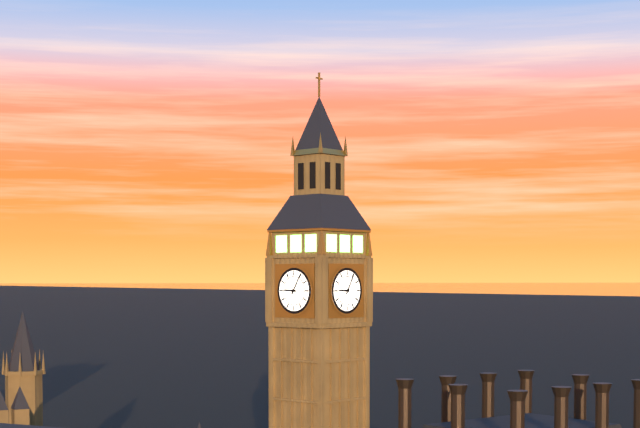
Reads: 9 h 05 min
